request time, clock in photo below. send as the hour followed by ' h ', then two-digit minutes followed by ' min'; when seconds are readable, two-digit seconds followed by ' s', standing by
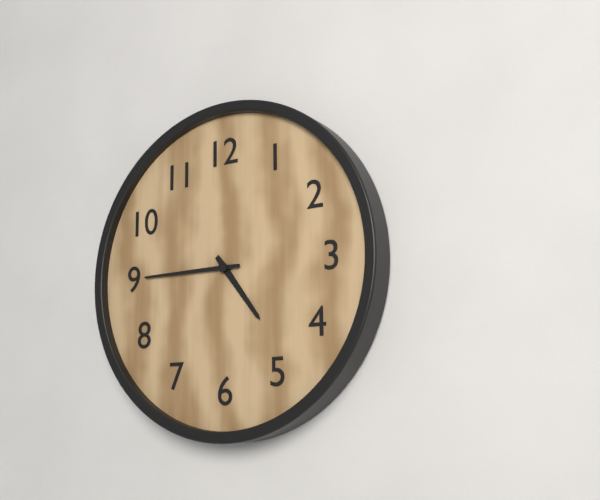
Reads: 4 h 45 min
